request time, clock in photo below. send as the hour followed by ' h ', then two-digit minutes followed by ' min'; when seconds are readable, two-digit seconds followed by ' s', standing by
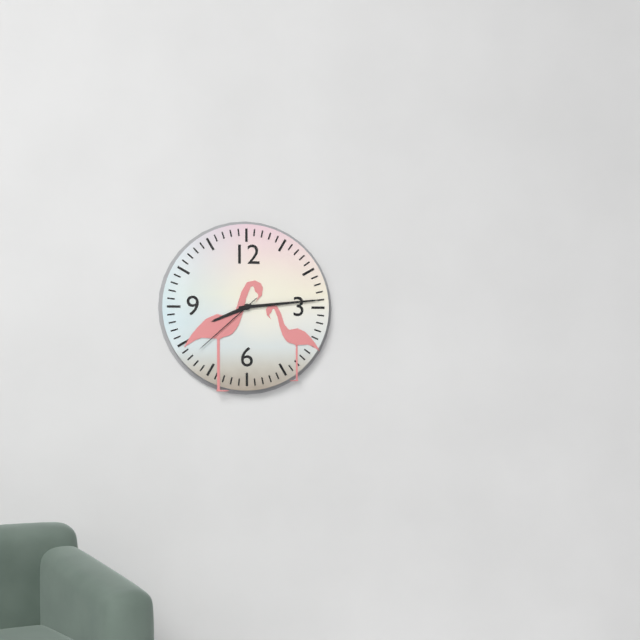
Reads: 8 h 14 min 38 s
